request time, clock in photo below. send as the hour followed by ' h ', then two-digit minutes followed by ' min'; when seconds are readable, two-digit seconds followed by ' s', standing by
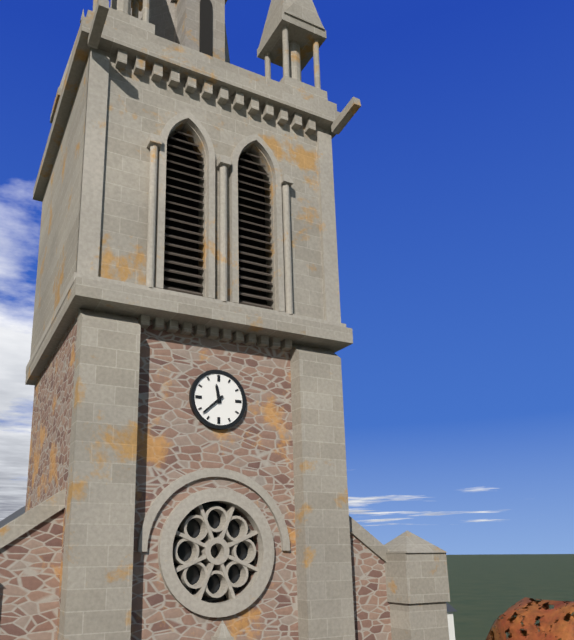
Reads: 11 h 38 min
